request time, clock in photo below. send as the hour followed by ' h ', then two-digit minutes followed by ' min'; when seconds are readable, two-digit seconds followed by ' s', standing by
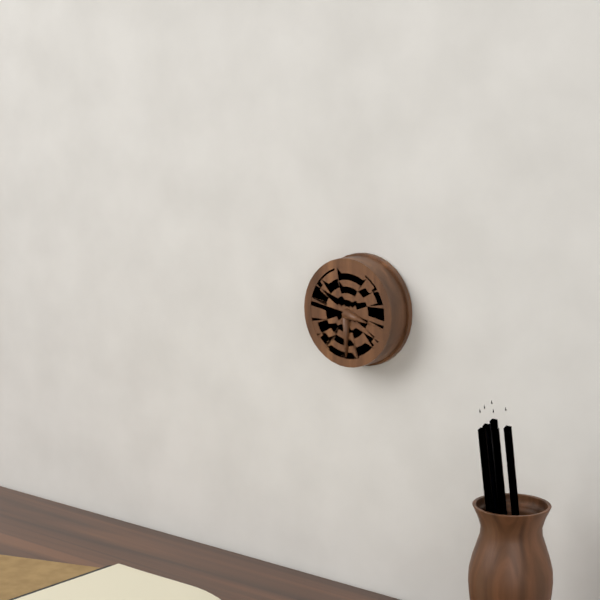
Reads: 3 h 30 min
